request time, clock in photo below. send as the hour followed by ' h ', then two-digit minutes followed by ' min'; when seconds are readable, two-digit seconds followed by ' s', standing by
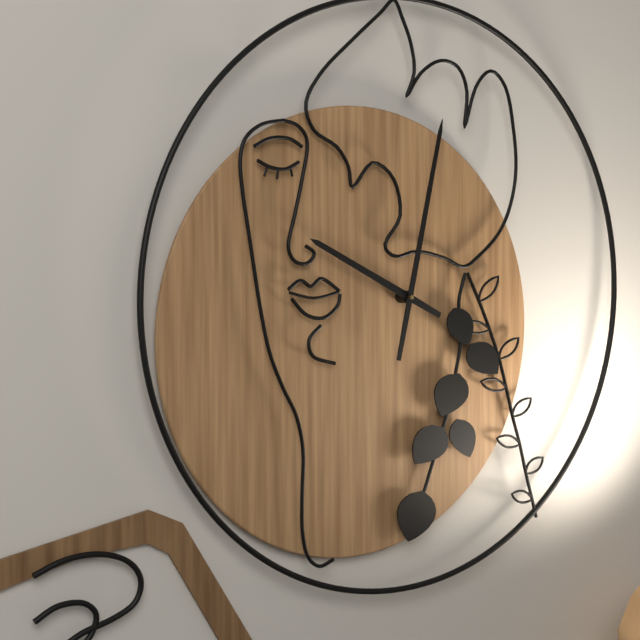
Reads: 10 h 03 min
